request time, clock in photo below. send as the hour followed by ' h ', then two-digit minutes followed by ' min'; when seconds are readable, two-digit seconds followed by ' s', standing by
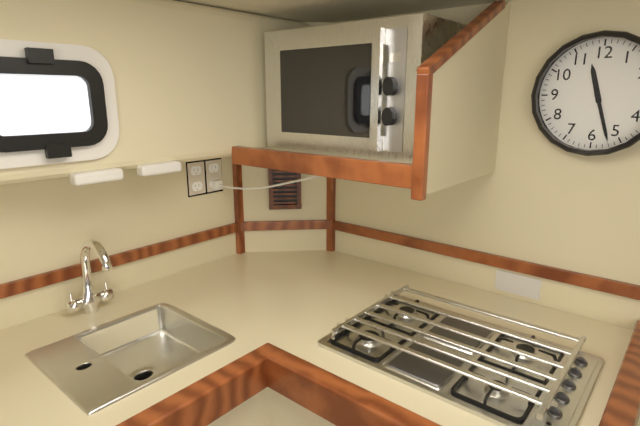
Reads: 11 h 27 min
